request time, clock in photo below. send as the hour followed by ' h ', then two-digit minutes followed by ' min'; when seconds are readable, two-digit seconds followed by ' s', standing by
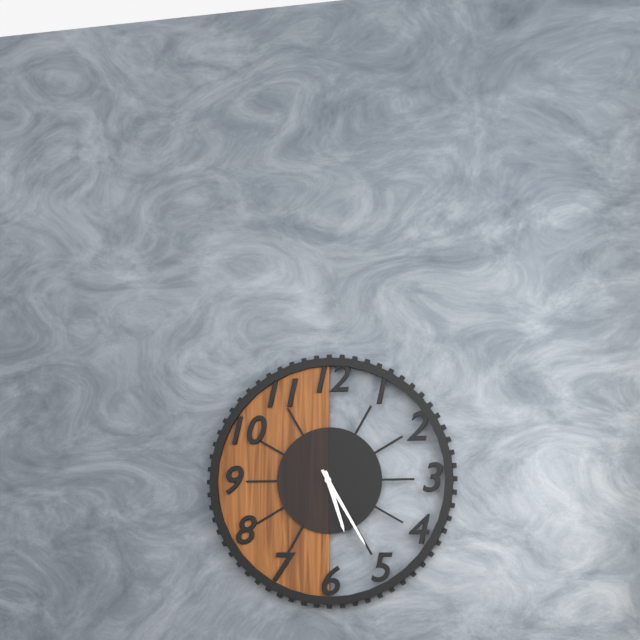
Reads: 5 h 25 min
